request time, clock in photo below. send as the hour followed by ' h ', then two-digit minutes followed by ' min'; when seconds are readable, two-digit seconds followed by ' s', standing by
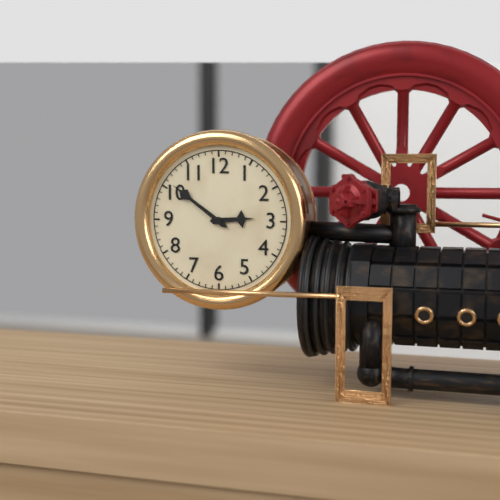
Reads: 2 h 51 min
